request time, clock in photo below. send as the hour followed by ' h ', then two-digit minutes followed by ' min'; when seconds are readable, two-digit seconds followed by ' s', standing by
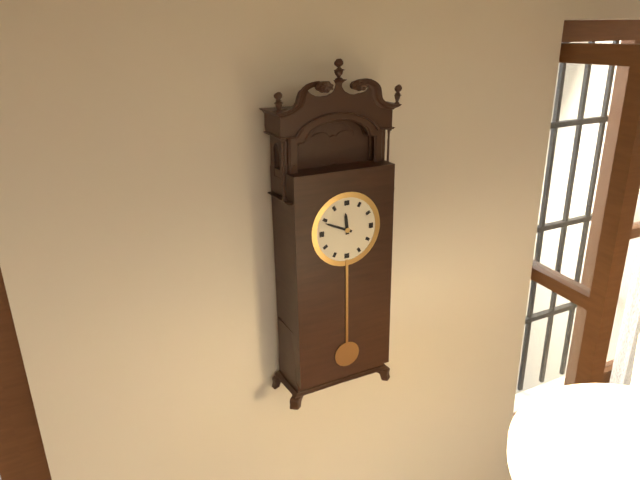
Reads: 11 h 49 min
